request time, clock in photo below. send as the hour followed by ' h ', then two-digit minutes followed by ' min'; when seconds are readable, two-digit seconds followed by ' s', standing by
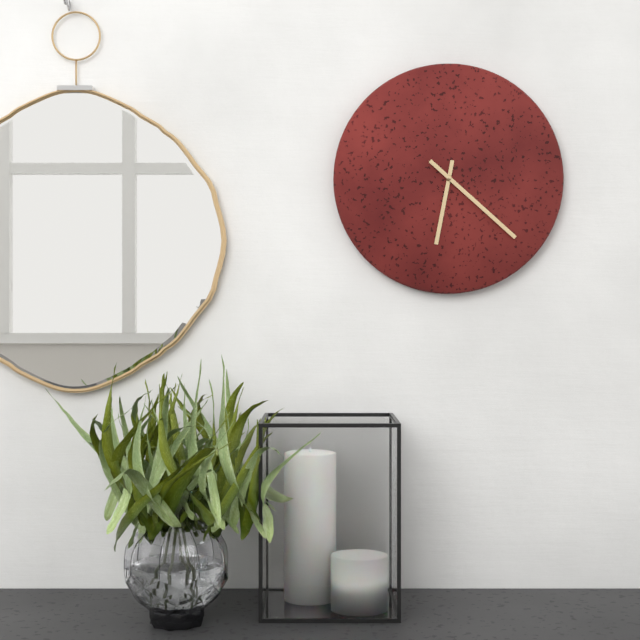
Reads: 6 h 22 min
